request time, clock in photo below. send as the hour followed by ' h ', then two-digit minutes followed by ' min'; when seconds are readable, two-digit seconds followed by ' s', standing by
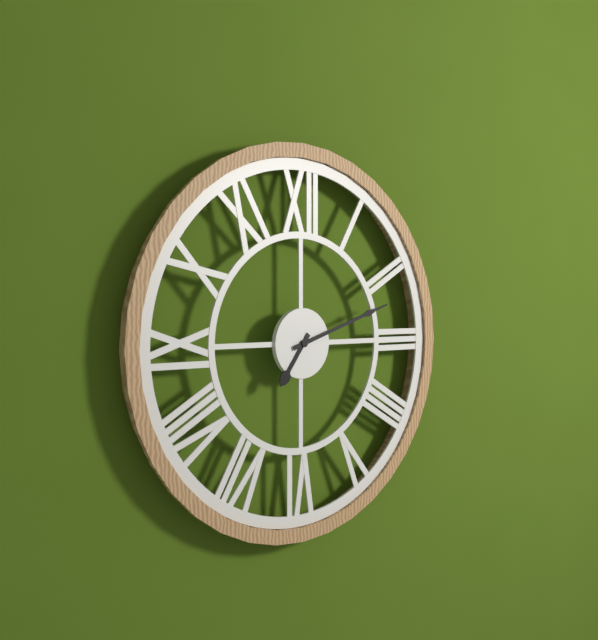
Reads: 7 h 12 min
